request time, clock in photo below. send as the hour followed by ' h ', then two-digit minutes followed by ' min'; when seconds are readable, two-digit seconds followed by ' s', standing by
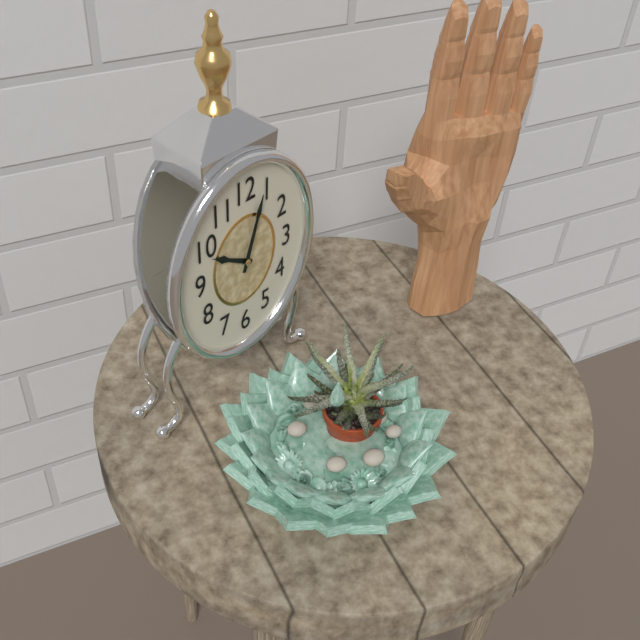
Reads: 10 h 03 min
